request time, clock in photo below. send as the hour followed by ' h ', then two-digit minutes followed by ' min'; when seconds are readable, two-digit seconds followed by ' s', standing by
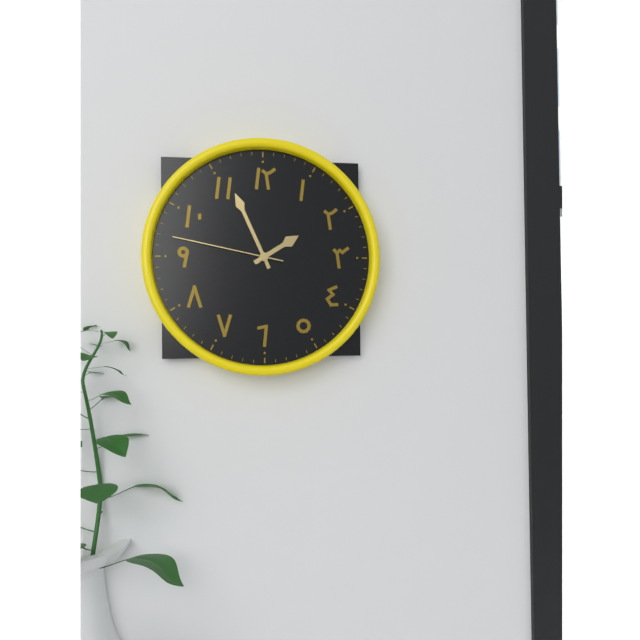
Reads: 1 h 56 min 47 s
